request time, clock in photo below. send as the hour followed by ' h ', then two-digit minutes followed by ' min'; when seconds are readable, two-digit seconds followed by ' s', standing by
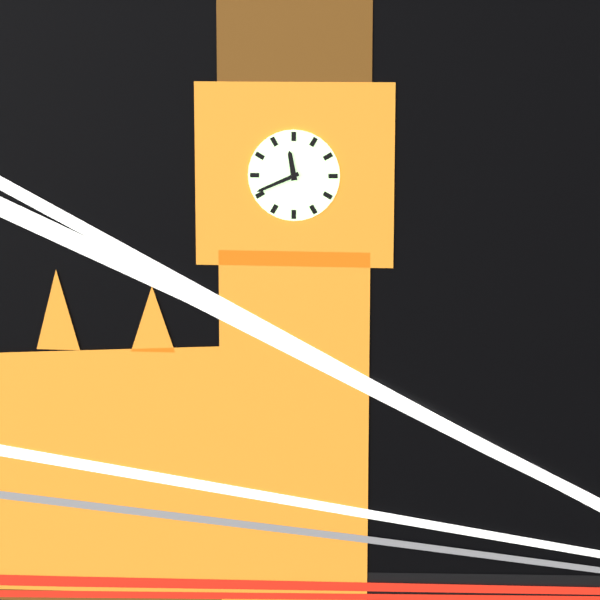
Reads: 11 h 41 min
